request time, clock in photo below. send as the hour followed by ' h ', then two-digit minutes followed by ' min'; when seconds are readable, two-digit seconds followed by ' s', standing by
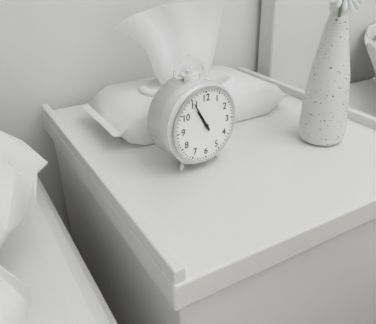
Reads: 10 h 55 min
